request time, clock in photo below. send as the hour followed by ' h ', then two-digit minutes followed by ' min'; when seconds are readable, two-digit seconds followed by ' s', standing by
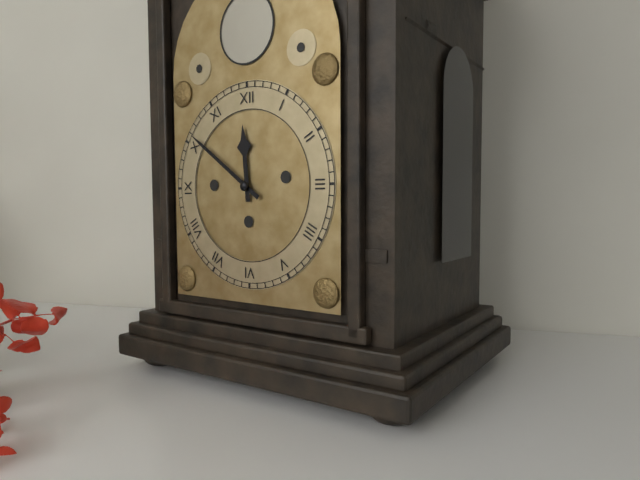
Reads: 11 h 51 min
